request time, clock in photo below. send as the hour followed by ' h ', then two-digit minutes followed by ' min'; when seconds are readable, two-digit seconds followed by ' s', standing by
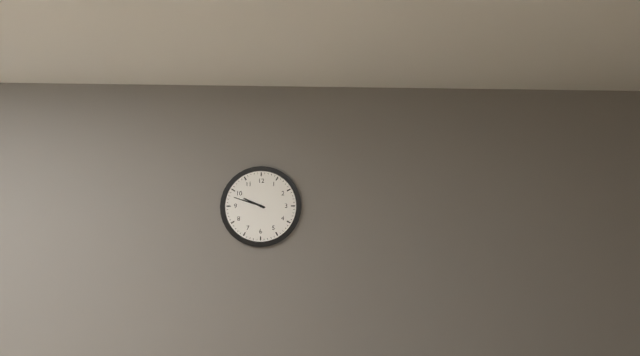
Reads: 9 h 48 min
